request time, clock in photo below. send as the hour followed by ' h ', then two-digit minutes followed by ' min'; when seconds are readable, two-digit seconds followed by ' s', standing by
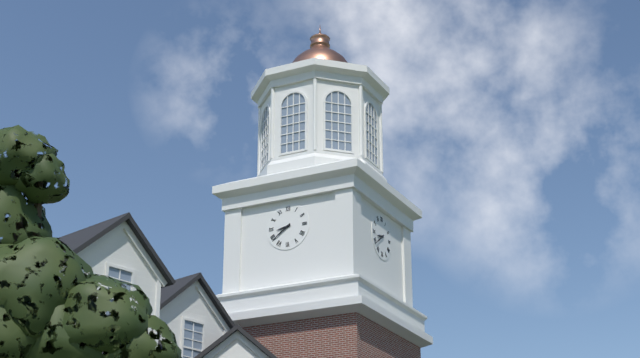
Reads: 8 h 39 min
